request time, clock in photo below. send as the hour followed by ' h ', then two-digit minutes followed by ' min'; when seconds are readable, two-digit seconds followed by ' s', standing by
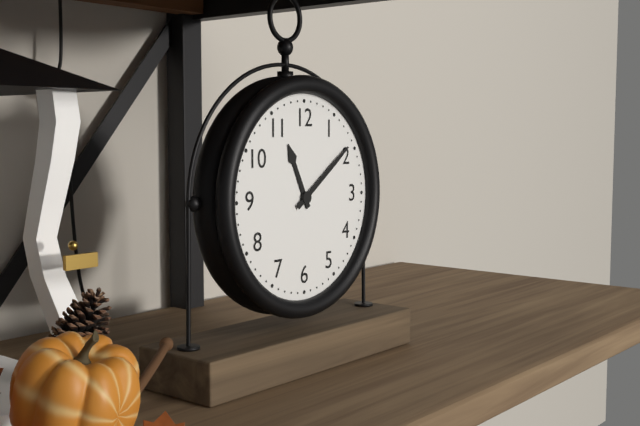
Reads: 11 h 09 min
